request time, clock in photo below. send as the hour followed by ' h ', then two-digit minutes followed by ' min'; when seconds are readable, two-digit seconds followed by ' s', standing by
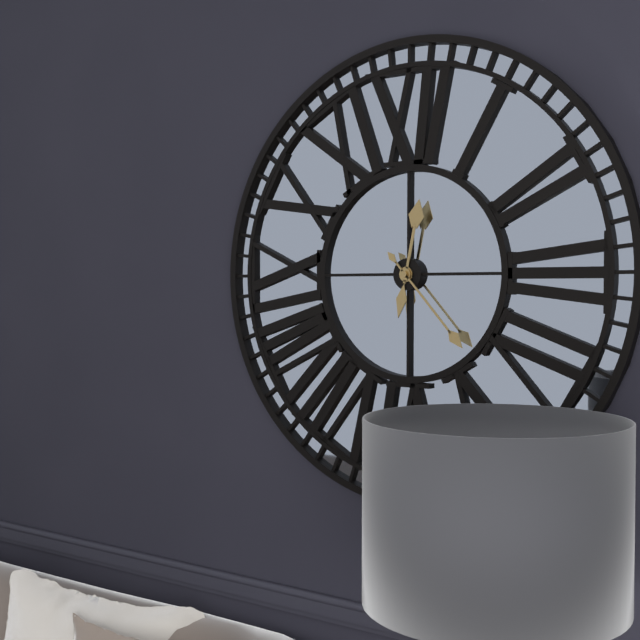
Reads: 12 h 23 min
